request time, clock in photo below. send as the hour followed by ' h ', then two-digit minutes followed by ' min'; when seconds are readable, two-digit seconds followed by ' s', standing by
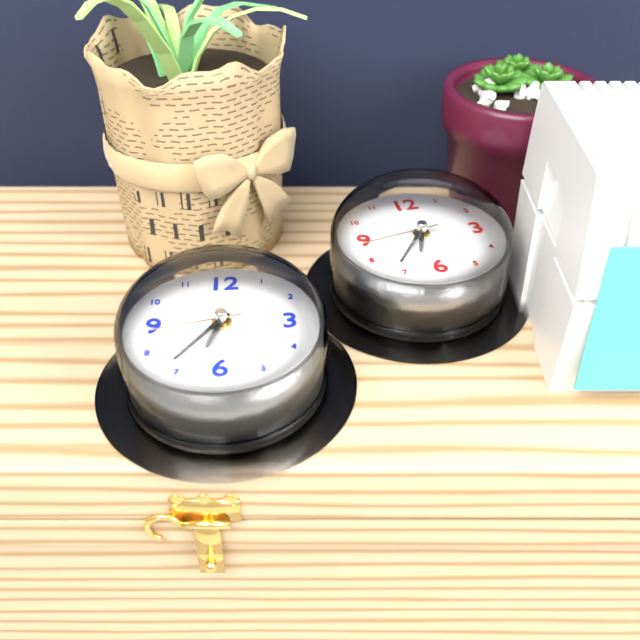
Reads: 6 h 36 min 43 s
